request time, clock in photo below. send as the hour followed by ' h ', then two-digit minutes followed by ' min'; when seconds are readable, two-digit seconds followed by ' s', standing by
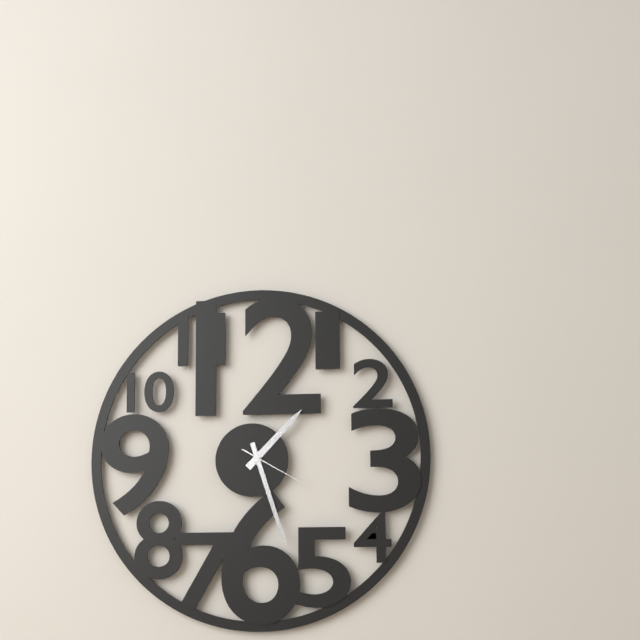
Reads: 1 h 27 min 20 s
